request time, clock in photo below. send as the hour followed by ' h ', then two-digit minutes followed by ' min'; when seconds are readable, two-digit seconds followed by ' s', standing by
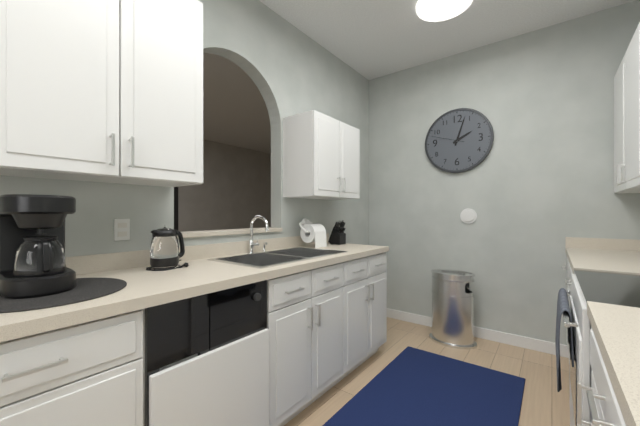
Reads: 2 h 03 min
